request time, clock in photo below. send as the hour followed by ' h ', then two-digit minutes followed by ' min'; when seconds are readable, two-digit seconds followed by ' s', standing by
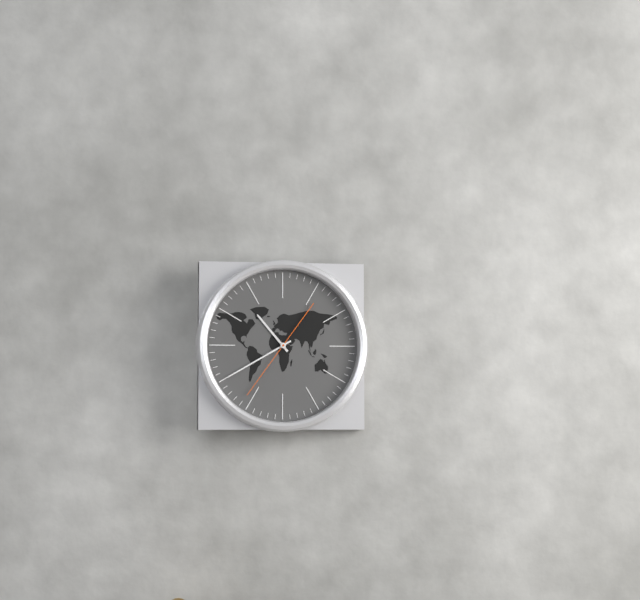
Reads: 10 h 40 min 36 s
